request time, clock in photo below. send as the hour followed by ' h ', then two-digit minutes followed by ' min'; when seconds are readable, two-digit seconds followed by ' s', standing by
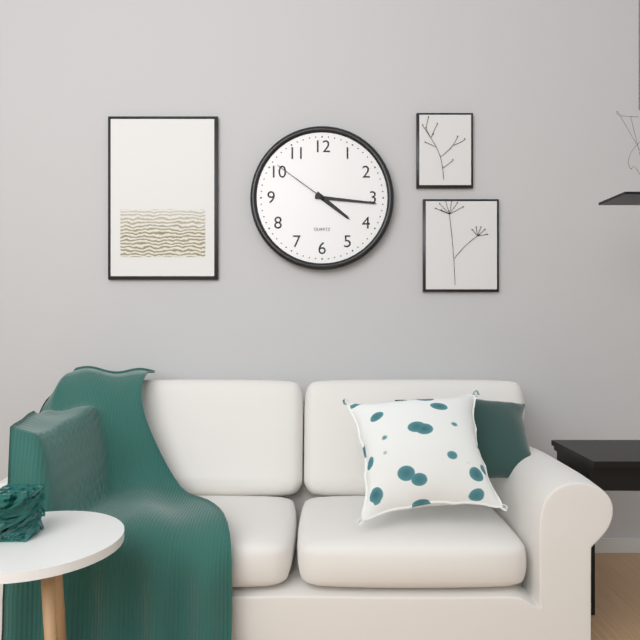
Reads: 4 h 16 min 51 s
